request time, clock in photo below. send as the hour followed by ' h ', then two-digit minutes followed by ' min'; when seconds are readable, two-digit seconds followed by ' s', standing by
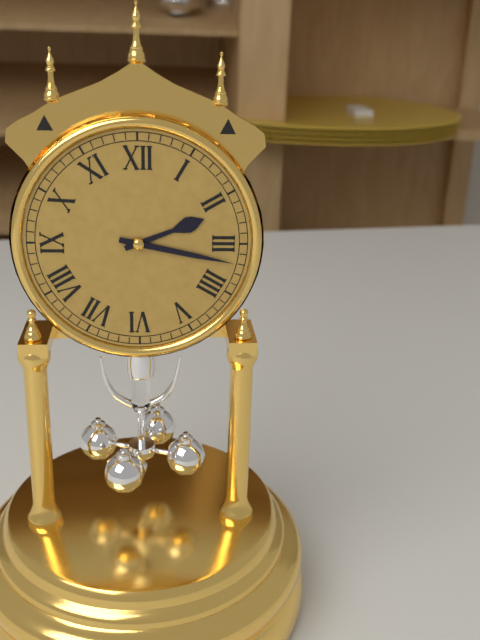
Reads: 2 h 17 min
